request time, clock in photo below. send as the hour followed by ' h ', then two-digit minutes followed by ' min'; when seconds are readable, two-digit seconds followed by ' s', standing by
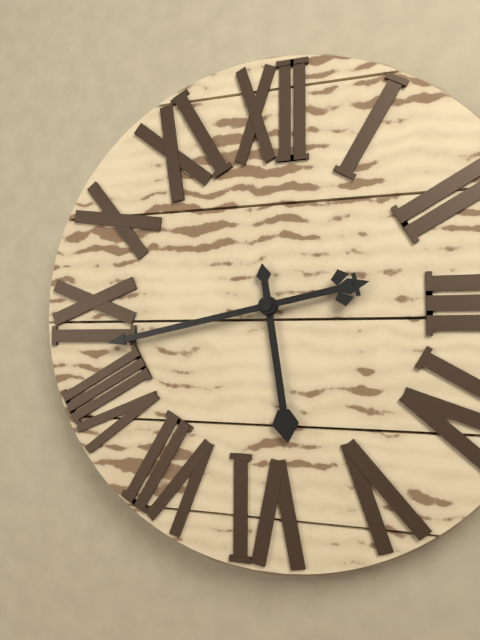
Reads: 5 h 43 min
